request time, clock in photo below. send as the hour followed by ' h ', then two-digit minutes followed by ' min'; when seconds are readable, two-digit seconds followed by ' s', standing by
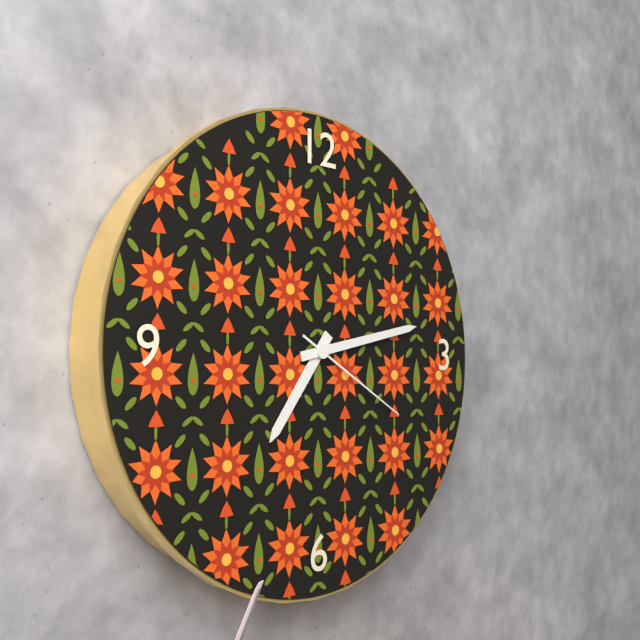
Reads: 7 h 13 min 20 s
